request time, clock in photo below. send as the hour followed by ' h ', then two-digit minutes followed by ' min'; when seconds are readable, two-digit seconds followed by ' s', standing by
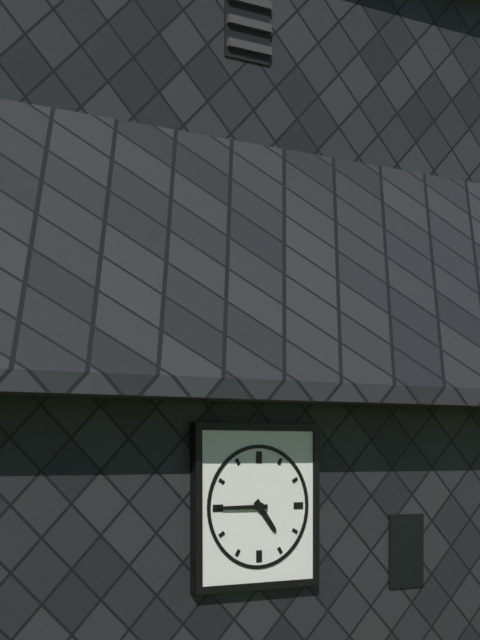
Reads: 4 h 45 min
